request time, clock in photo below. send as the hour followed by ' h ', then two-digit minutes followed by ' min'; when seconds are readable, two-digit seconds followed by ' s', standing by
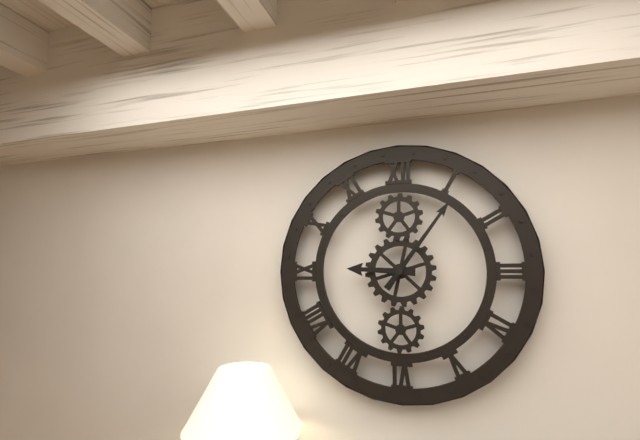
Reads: 9 h 06 min
